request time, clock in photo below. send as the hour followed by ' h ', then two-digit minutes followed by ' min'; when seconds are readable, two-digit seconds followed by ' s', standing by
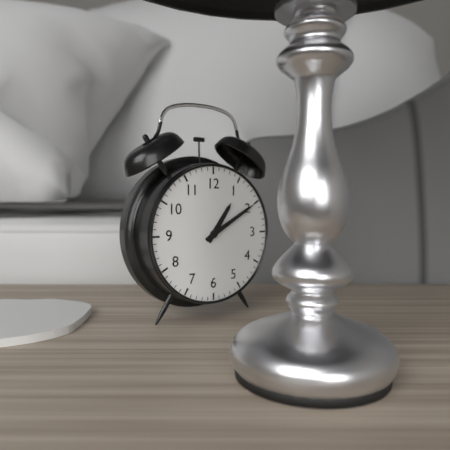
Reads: 1 h 10 min
